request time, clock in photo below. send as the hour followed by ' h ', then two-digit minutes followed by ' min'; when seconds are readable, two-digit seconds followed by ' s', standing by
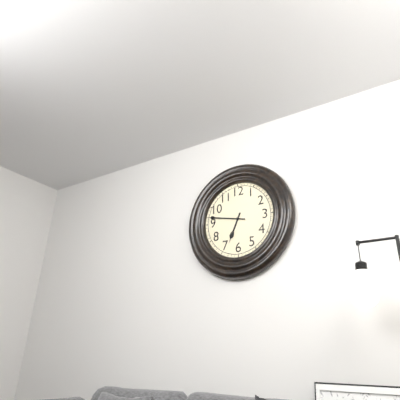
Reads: 6 h 47 min
